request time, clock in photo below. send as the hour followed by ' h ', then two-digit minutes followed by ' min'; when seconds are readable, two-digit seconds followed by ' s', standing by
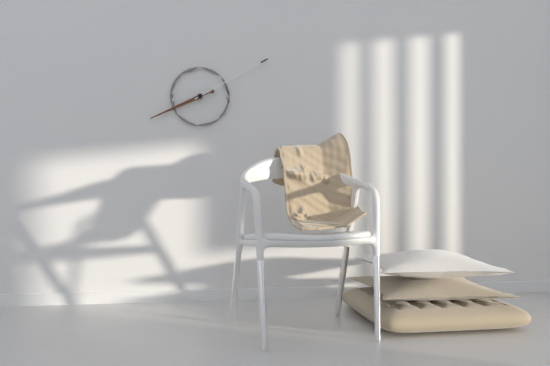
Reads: 8 h 10 min
